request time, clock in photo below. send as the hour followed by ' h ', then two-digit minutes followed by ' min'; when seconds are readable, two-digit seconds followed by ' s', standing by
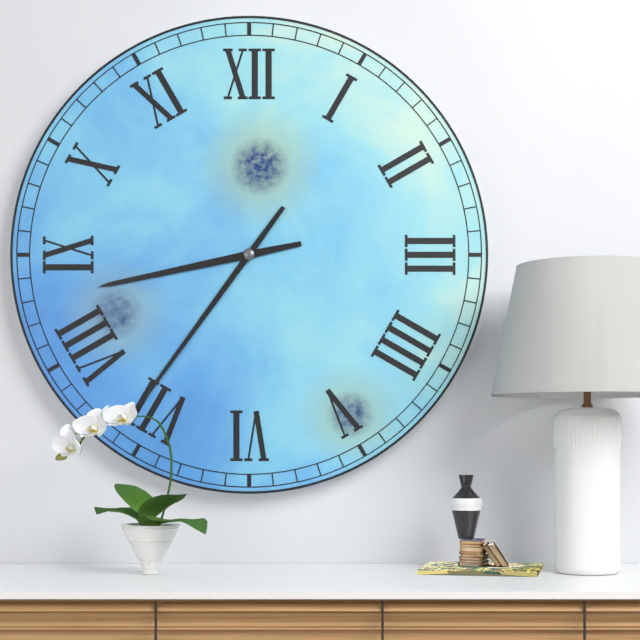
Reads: 8 h 36 min
